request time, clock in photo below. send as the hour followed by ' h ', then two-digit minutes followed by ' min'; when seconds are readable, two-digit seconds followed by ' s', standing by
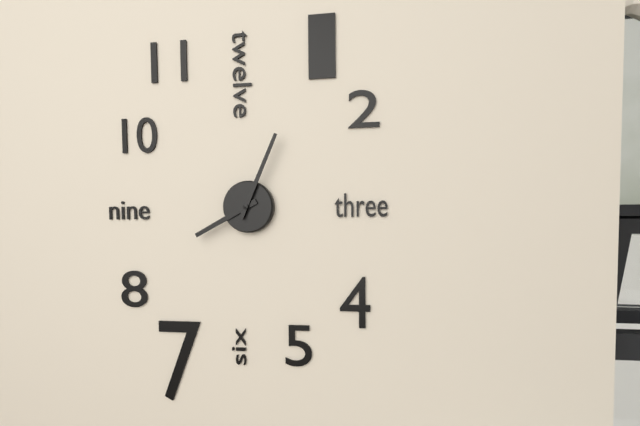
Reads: 8 h 04 min
